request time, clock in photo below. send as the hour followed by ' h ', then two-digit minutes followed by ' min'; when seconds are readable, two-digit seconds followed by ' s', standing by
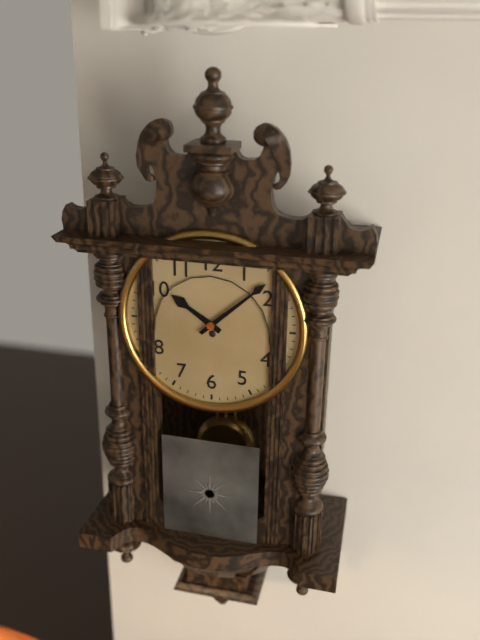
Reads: 10 h 08 min
